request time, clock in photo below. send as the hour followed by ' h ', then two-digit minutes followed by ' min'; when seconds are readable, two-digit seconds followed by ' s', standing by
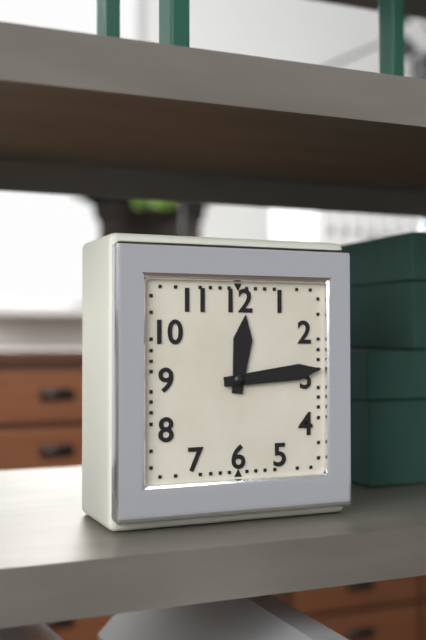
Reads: 12 h 14 min
